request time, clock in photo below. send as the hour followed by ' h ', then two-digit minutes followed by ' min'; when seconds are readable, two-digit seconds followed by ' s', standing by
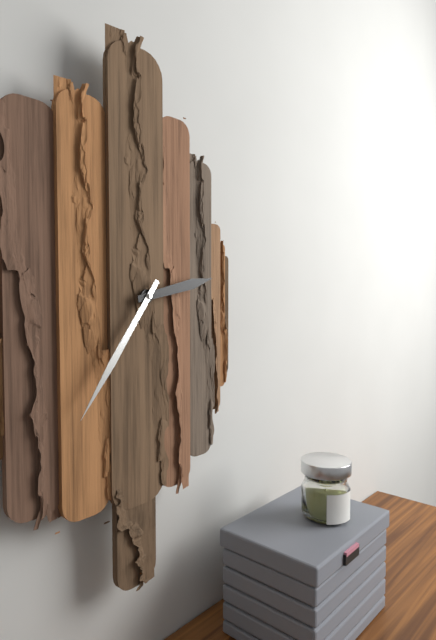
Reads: 2 h 36 min
